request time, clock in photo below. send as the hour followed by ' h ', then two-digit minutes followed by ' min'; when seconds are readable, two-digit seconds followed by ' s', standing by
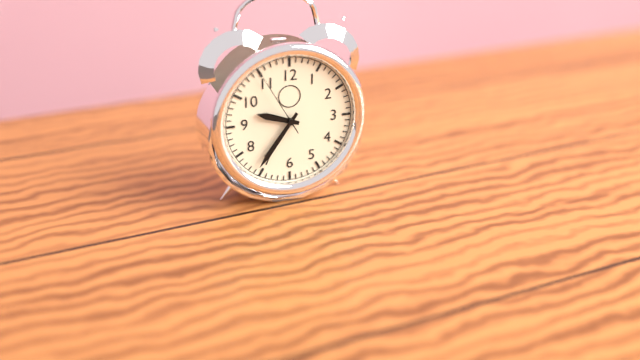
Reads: 9 h 36 min 55 s
